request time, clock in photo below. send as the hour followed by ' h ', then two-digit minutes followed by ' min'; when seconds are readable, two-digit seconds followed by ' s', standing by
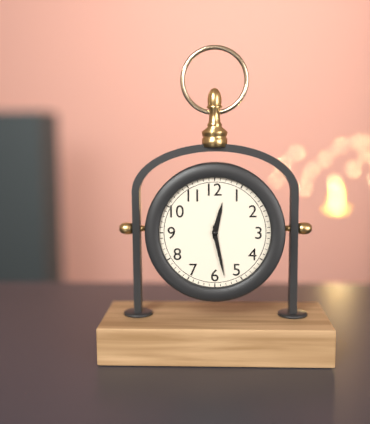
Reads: 12 h 28 min
